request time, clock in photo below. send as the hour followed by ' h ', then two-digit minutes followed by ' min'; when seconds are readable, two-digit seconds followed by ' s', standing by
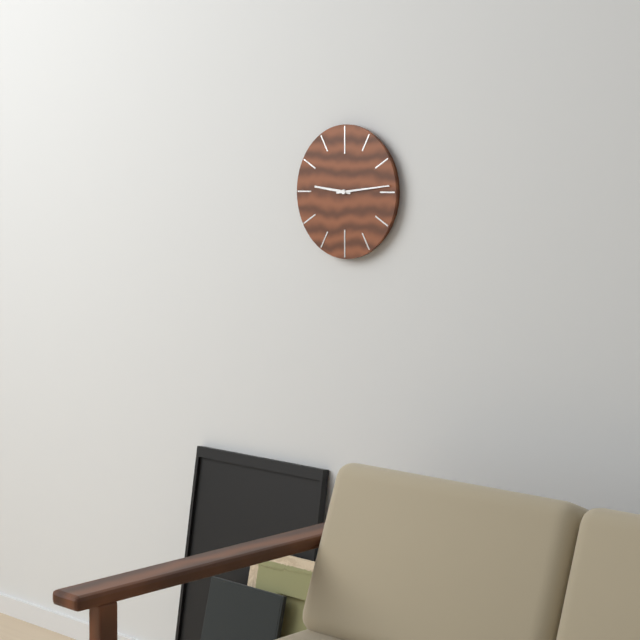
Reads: 9 h 14 min
